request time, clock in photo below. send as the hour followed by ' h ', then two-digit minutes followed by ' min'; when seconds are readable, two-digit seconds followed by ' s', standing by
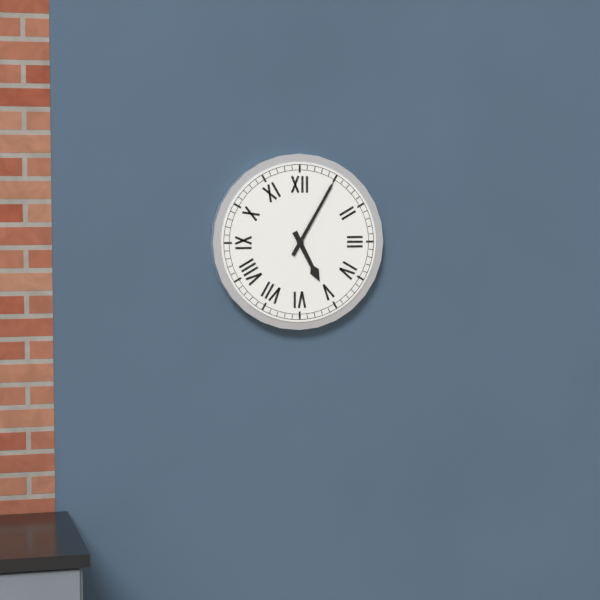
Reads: 5 h 05 min
